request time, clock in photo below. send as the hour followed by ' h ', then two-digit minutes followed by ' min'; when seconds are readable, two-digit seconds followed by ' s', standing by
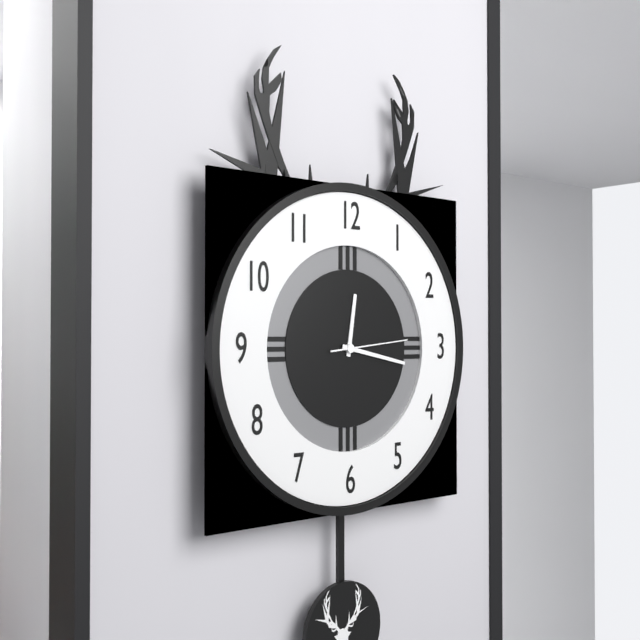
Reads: 12 h 17 min 14 s
